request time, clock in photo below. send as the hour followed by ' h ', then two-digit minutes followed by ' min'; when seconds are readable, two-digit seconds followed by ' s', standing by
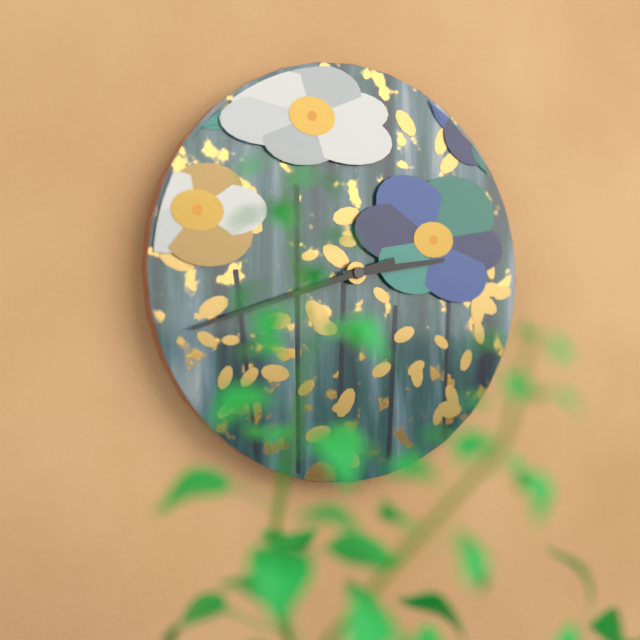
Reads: 2 h 42 min
